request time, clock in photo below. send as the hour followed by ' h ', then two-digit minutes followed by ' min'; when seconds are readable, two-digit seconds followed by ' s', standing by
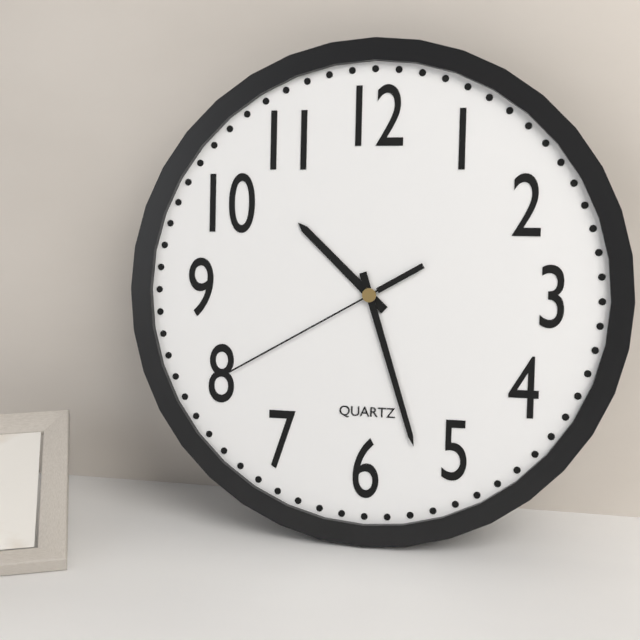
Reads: 10 h 27 min 40 s
